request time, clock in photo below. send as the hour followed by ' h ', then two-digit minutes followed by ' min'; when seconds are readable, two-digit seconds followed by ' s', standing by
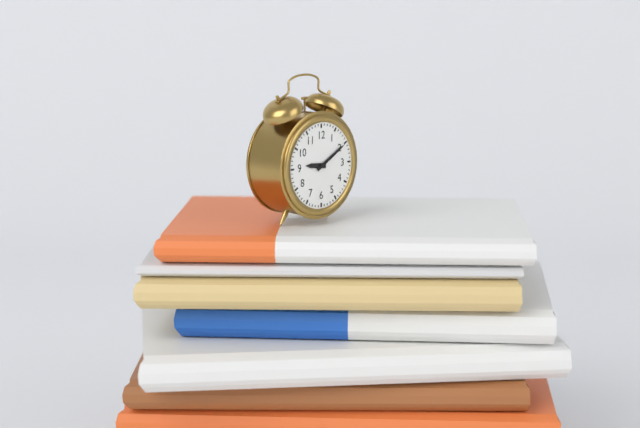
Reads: 9 h 10 min
